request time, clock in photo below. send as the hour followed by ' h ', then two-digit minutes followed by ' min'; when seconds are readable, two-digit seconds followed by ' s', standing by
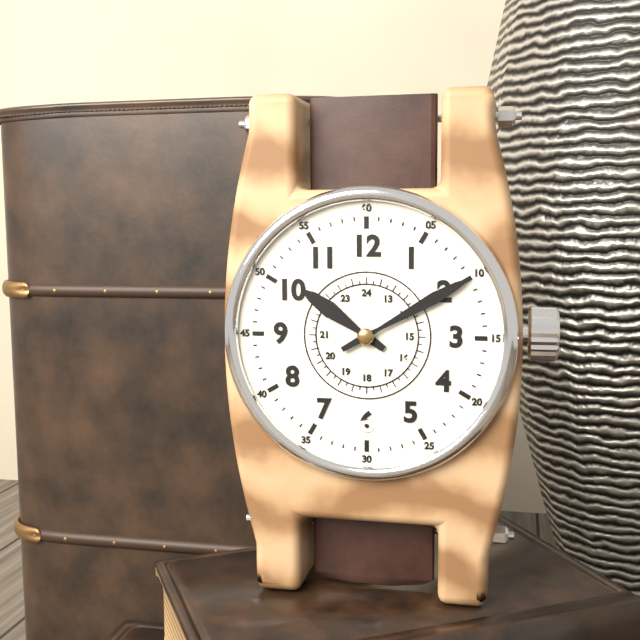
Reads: 10 h 10 min
